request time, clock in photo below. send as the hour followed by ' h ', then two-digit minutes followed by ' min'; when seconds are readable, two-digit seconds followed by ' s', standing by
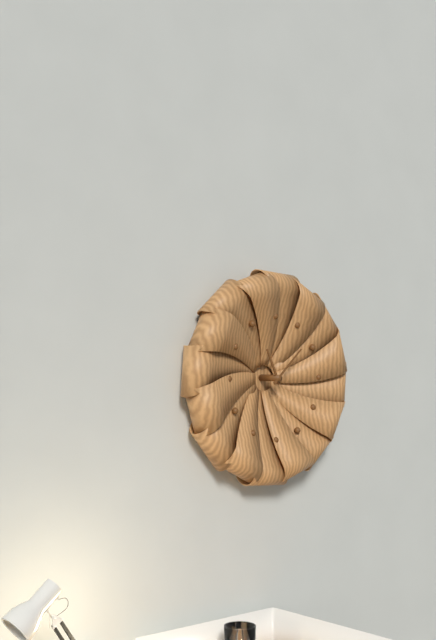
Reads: 11 h 08 min
